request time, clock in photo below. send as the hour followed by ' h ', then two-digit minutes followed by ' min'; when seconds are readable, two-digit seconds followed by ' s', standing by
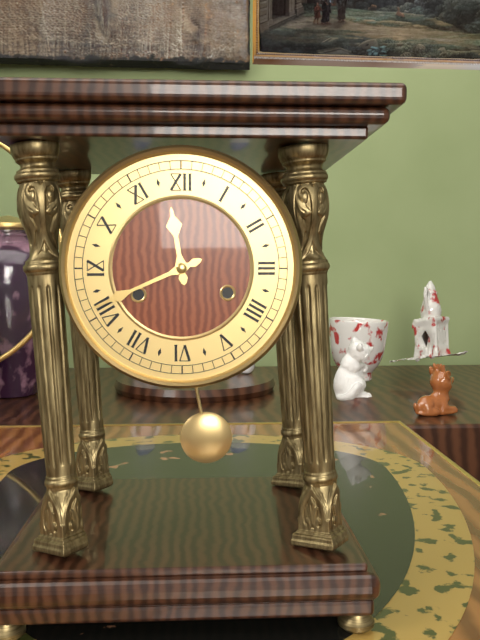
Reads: 11 h 41 min
